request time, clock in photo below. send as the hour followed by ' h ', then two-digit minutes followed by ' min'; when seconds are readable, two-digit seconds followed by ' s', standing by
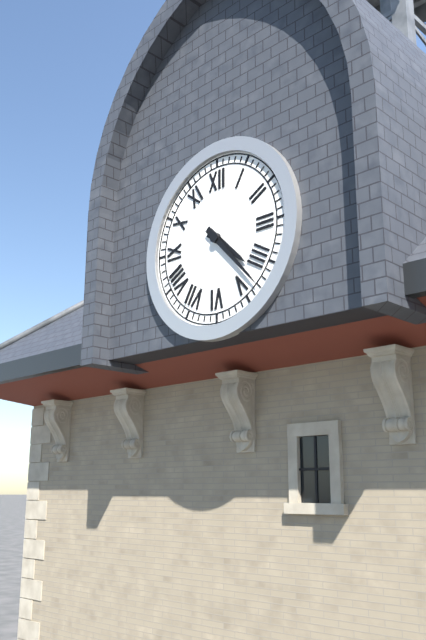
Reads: 4 h 23 min
